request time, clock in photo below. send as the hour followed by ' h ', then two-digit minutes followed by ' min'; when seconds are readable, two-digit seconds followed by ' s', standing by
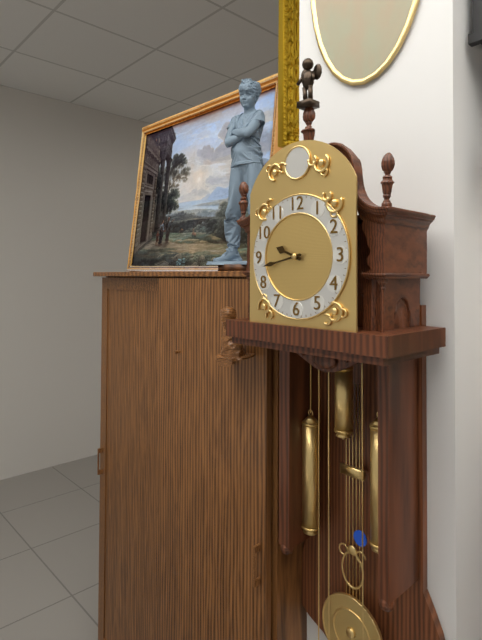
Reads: 9 h 43 min
